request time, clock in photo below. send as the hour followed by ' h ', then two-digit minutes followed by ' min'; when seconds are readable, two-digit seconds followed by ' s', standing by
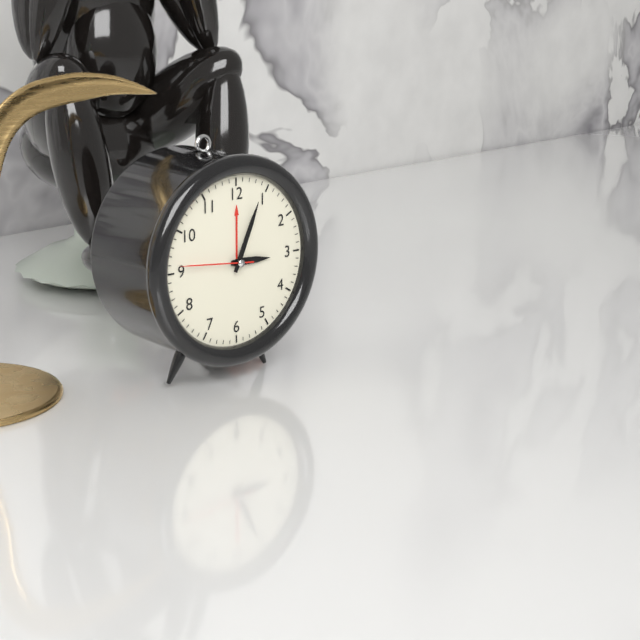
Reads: 3 h 04 min 46 s
